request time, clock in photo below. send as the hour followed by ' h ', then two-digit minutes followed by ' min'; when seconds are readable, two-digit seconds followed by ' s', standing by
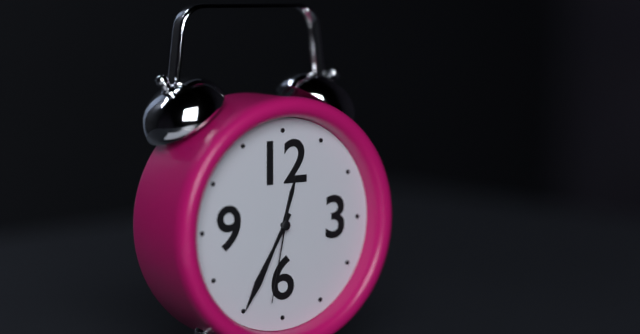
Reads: 12 h 35 min 32 s
